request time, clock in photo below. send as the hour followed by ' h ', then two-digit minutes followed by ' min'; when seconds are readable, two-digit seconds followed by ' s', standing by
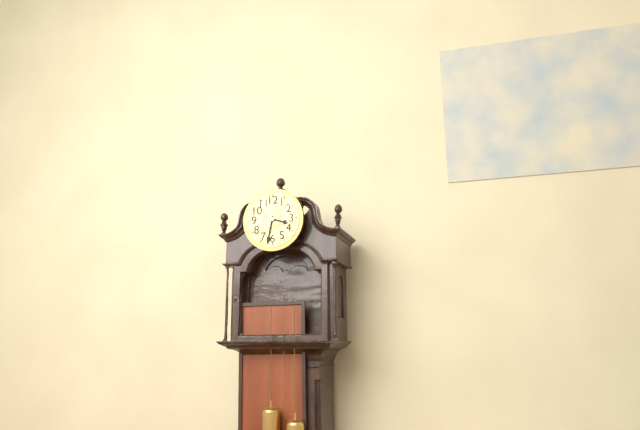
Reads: 3 h 32 min
